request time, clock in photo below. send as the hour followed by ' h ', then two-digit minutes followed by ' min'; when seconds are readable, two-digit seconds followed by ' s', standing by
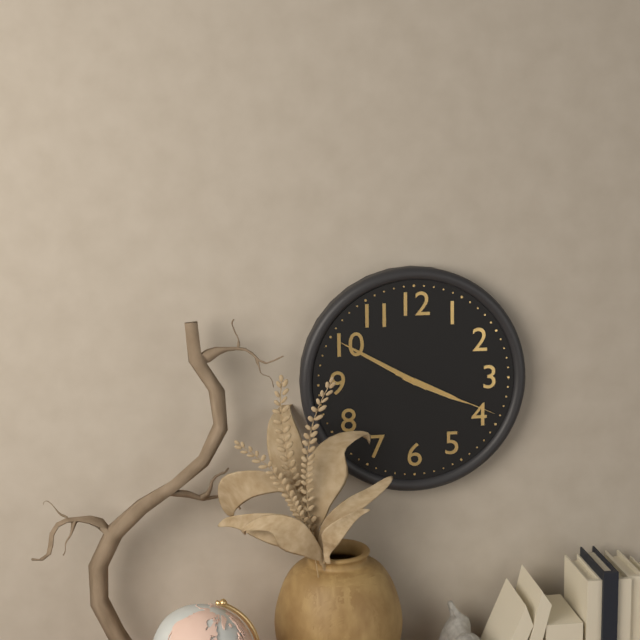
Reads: 3 h 50 min 19 s
